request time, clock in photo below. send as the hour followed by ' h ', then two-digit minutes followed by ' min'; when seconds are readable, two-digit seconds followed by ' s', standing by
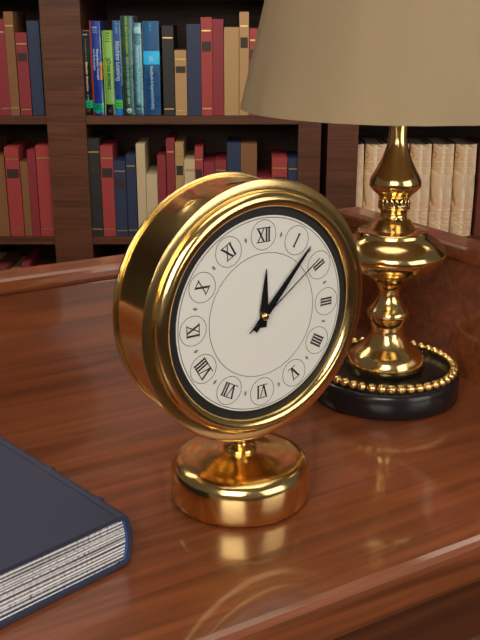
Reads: 12 h 07 min 09 s
